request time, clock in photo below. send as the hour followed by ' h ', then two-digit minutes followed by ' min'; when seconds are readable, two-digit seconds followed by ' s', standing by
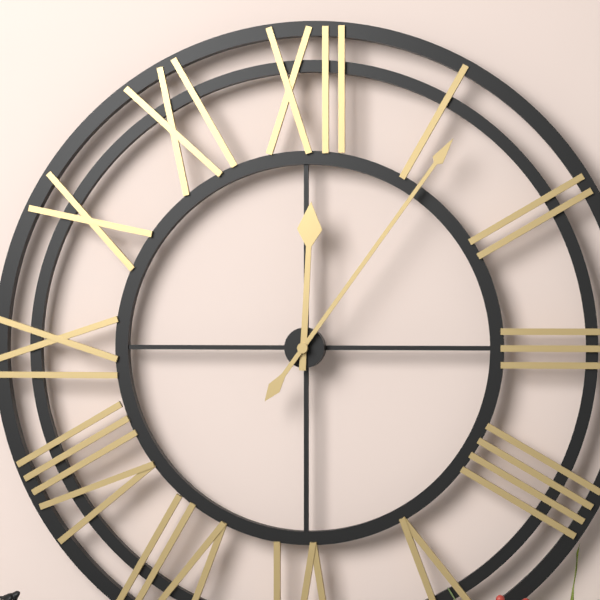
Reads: 12 h 06 min
